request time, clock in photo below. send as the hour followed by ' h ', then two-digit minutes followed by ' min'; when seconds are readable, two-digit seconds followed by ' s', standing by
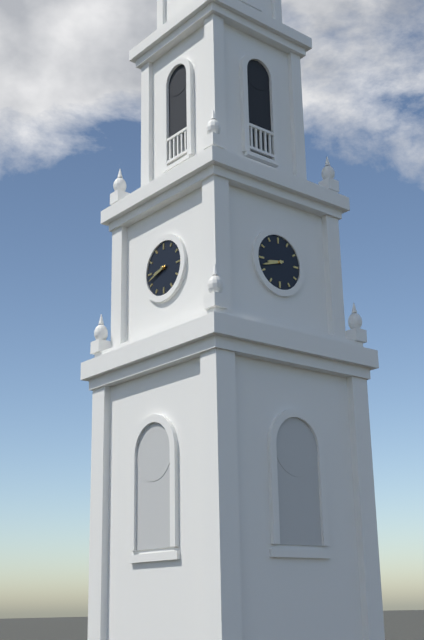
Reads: 8 h 42 min
